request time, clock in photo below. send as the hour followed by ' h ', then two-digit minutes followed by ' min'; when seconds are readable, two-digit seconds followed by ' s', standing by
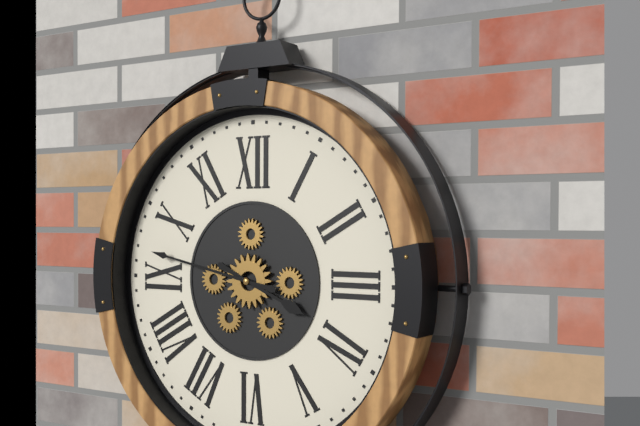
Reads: 3 h 47 min
